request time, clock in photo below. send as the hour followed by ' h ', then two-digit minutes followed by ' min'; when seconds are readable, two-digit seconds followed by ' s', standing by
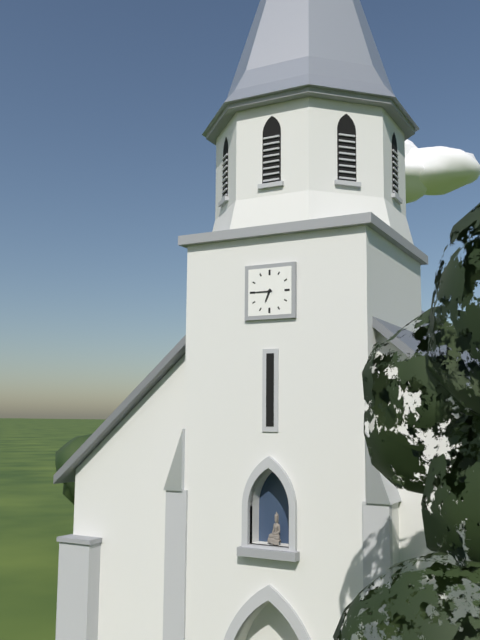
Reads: 6 h 45 min
